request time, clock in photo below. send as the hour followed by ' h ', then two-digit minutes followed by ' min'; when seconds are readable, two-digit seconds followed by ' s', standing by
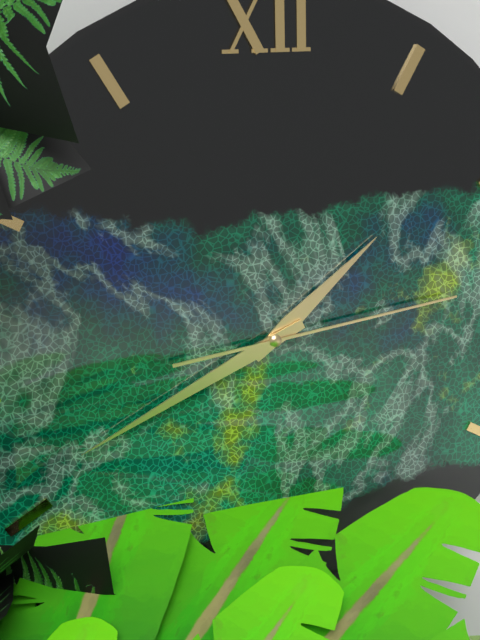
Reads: 1 h 41 min 14 s
